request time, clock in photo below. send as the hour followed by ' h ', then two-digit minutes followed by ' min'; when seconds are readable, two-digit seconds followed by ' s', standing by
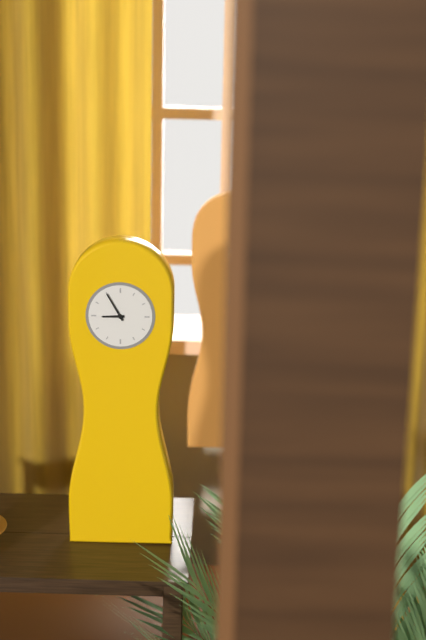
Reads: 8 h 55 min
